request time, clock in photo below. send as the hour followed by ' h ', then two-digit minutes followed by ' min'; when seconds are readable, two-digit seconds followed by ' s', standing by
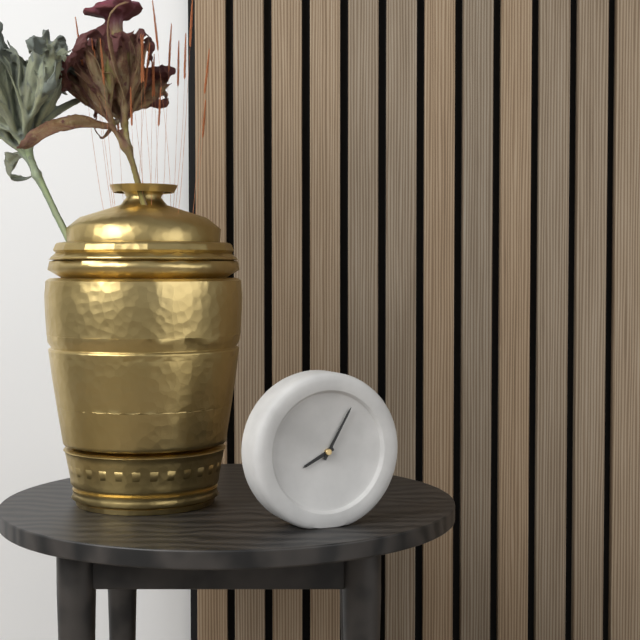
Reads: 8 h 05 min
